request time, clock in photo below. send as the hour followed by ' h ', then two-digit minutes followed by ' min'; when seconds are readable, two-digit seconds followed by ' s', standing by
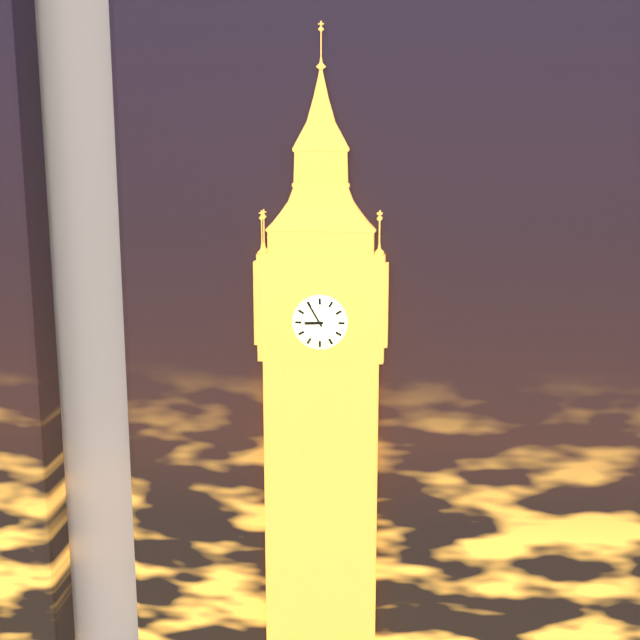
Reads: 8 h 55 min
